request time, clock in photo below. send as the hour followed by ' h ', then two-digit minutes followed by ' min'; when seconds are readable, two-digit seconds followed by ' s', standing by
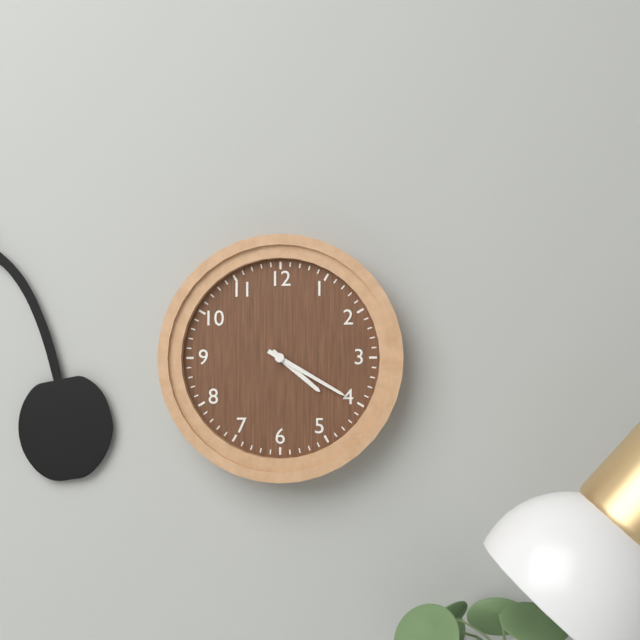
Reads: 4 h 20 min
